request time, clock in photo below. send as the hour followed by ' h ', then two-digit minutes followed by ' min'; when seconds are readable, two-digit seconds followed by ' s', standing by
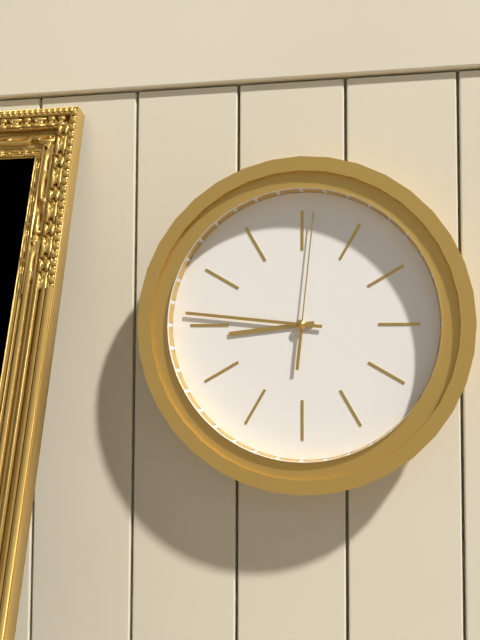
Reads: 8 h 46 min 01 s
